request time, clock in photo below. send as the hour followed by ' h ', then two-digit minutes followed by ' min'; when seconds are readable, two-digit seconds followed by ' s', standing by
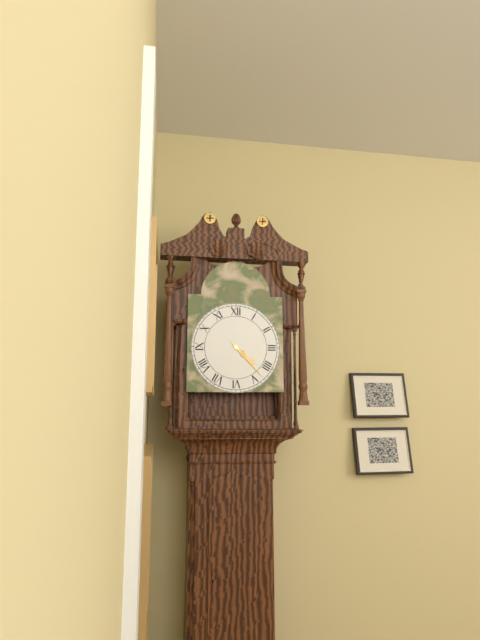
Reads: 4 h 23 min
